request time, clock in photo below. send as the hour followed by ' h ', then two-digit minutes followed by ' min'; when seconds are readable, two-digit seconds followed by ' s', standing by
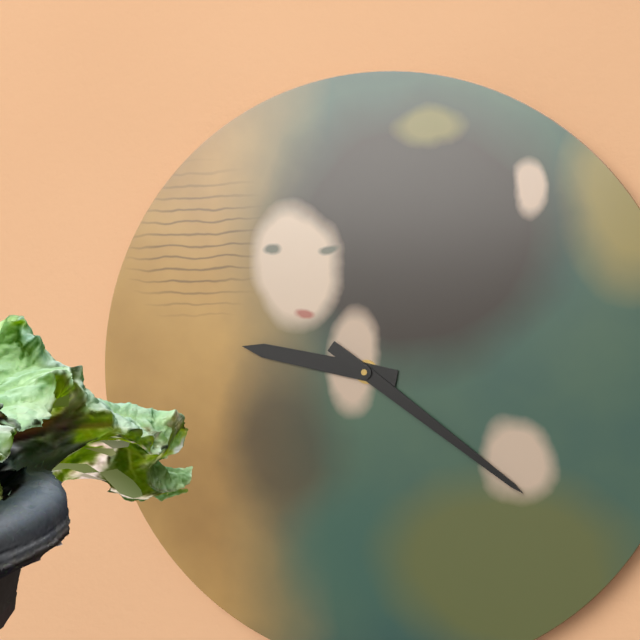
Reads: 9 h 21 min
